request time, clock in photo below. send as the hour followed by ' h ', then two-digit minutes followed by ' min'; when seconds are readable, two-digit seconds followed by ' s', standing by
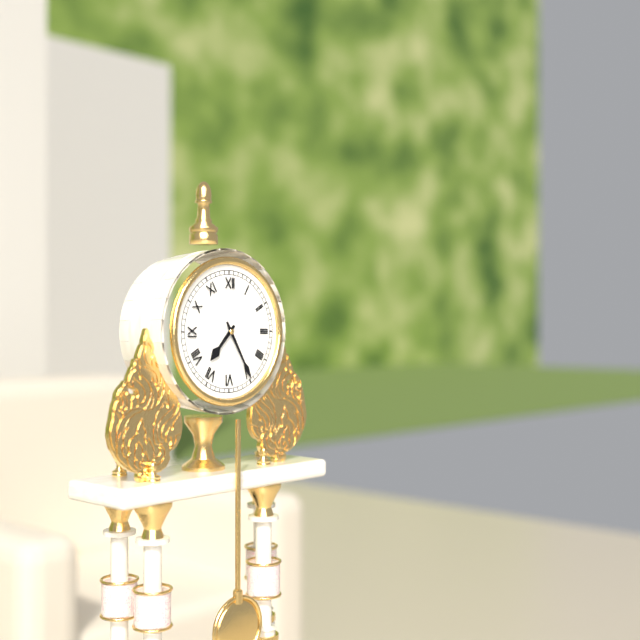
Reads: 7 h 25 min
